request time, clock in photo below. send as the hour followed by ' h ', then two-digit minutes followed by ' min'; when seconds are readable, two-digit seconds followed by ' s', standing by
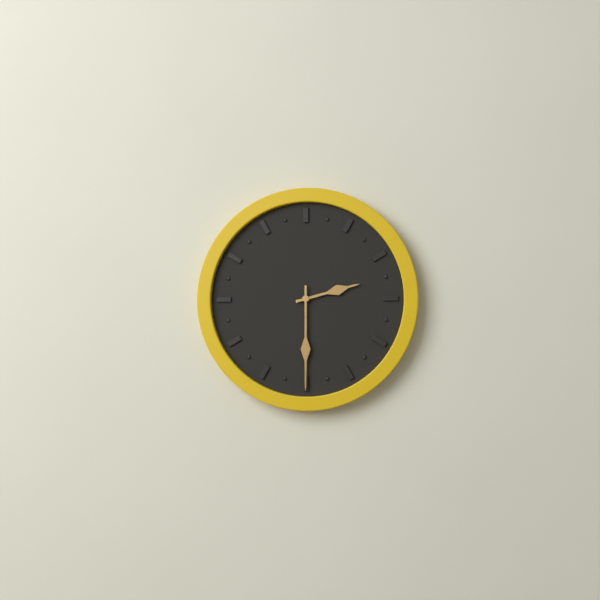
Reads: 2 h 30 min
